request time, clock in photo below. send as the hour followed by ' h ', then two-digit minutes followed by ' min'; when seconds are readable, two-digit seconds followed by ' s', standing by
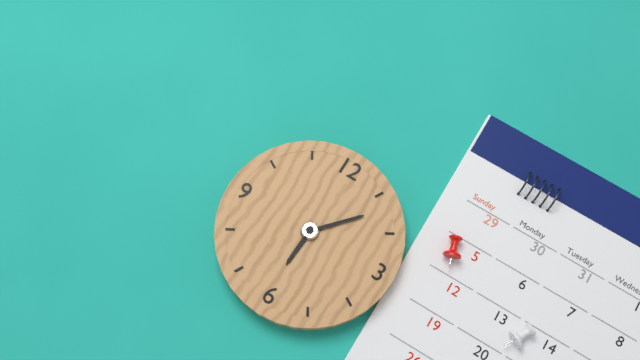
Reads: 6 h 07 min
